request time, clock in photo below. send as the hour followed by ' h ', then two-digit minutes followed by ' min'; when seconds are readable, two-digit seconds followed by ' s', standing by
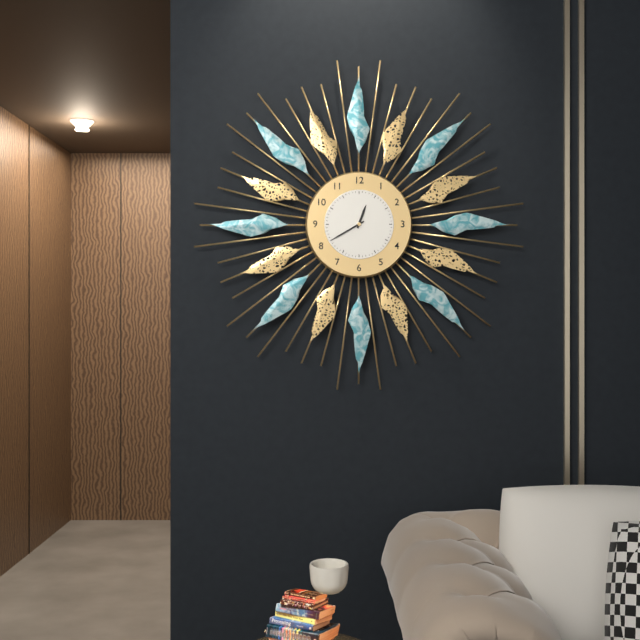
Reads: 12 h 40 min
